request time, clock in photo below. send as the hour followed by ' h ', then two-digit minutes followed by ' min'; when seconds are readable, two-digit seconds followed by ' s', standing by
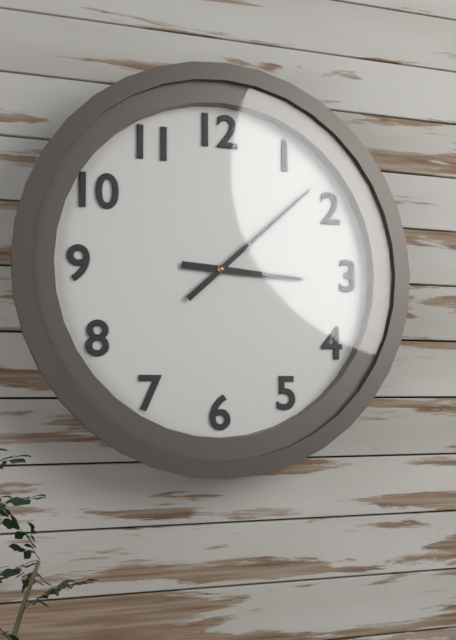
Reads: 3 h 08 min
